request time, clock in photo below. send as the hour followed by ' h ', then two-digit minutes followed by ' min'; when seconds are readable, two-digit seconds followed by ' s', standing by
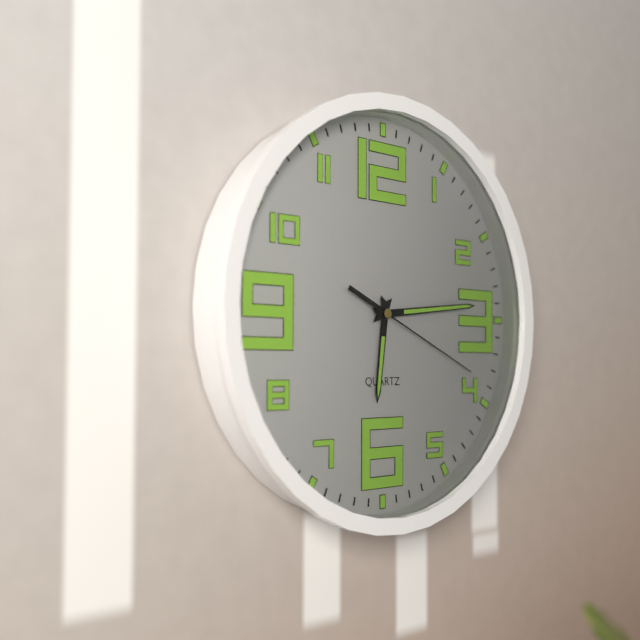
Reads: 6 h 14 min 19 s
